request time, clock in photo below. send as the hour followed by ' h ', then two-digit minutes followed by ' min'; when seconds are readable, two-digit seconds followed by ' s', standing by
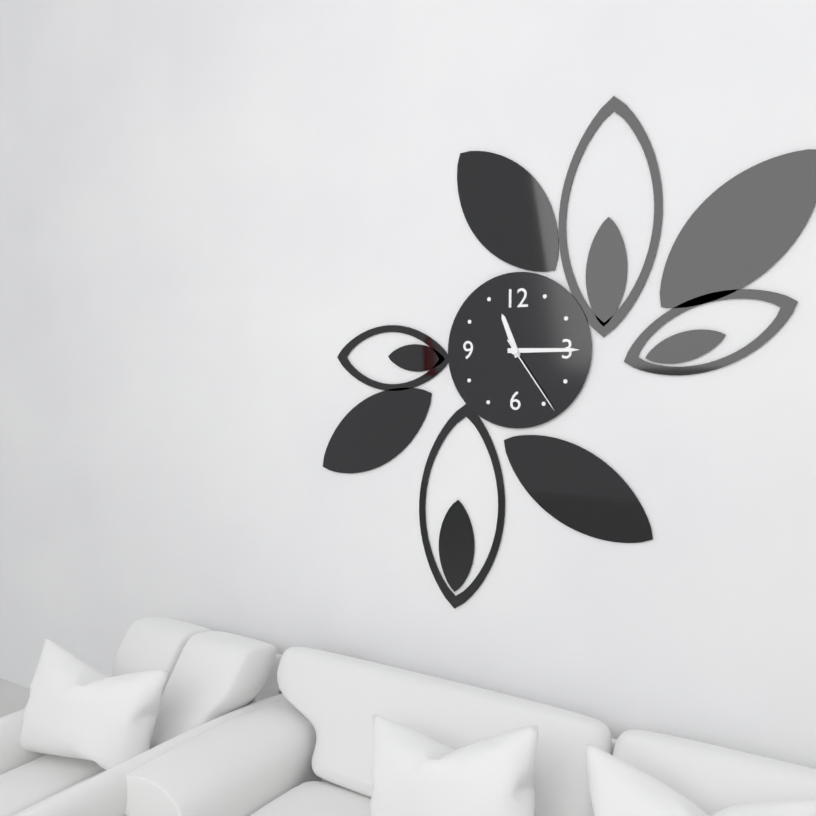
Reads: 11 h 15 min 24 s
